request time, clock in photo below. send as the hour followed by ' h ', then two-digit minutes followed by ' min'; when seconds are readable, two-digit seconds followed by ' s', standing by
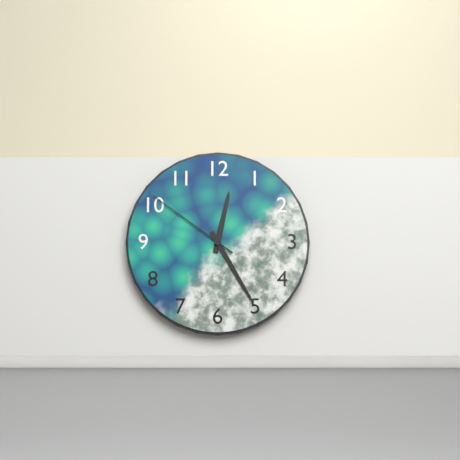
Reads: 12 h 25 min 51 s
